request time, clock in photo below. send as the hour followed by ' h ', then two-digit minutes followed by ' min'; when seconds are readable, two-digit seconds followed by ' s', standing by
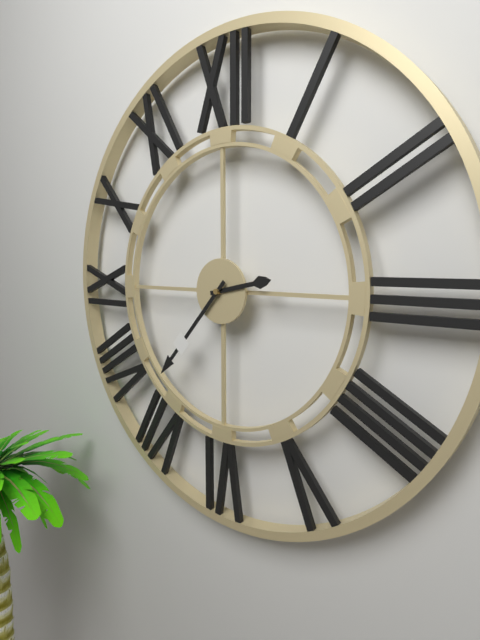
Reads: 2 h 37 min
